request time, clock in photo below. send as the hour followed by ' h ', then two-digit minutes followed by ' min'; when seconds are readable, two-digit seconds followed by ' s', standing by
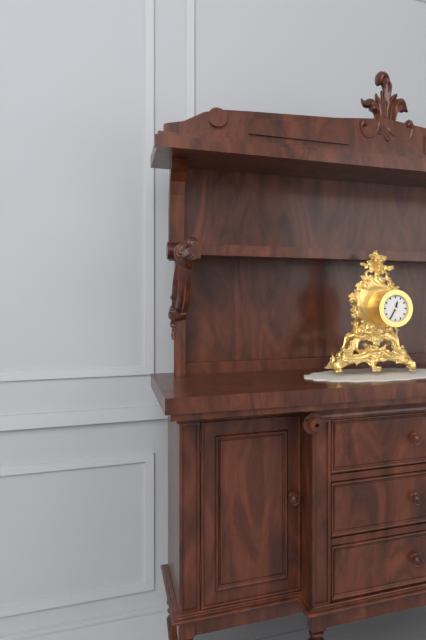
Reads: 12 h 35 min
